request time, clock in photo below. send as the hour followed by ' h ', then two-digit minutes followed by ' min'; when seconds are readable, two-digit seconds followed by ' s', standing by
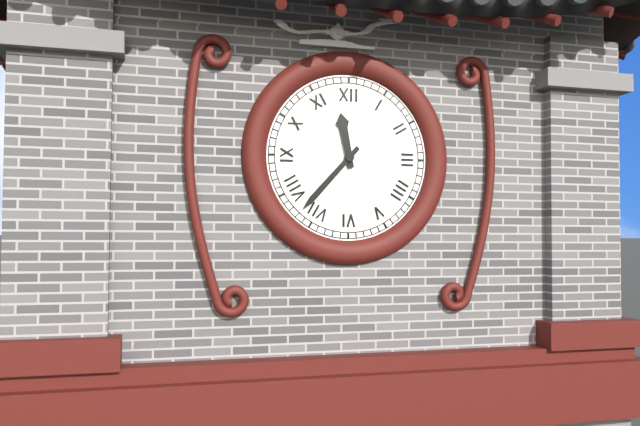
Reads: 11 h 37 min
